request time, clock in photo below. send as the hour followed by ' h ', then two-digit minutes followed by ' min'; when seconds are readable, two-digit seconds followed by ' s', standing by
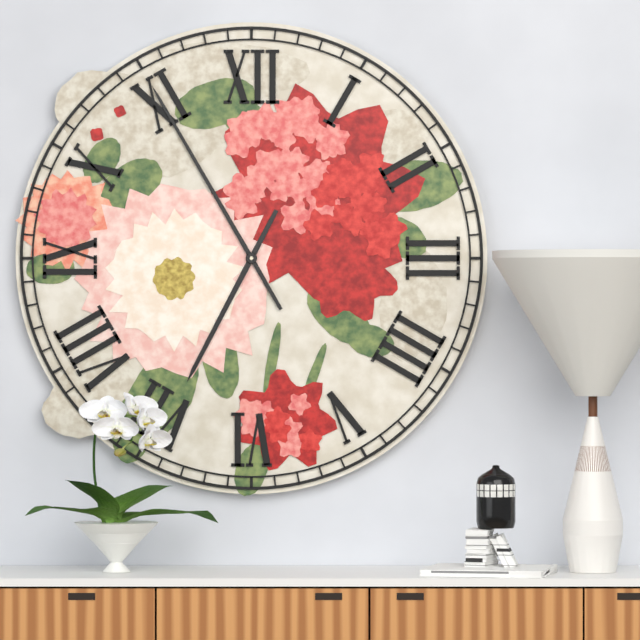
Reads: 6 h 55 min
